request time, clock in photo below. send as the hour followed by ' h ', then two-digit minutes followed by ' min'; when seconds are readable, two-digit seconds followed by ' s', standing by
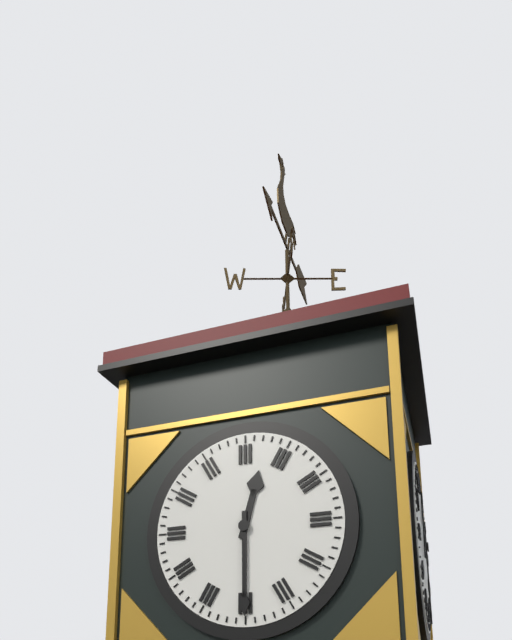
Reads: 12 h 30 min
